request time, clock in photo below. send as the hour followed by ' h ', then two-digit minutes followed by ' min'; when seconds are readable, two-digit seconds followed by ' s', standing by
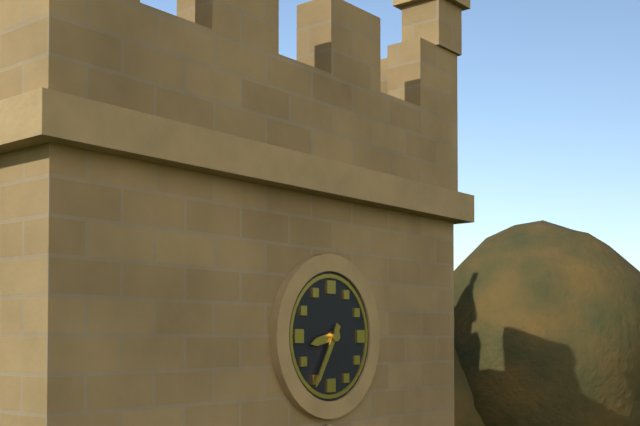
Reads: 8 h 35 min
